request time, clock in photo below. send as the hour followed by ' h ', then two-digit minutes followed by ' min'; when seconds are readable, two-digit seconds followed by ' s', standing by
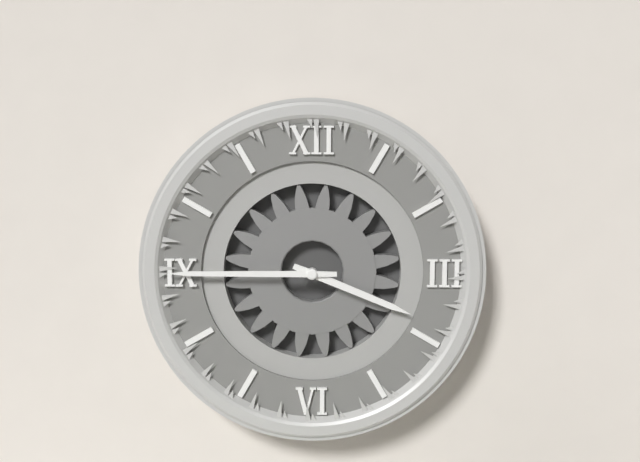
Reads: 3 h 45 min
